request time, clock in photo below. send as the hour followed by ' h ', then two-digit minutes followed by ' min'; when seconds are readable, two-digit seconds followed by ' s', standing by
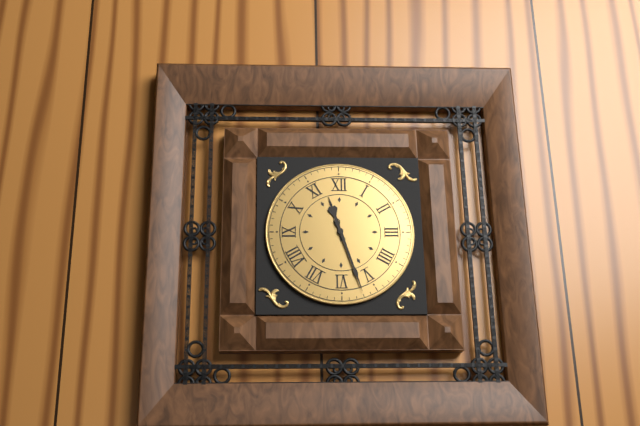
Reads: 11 h 27 min
